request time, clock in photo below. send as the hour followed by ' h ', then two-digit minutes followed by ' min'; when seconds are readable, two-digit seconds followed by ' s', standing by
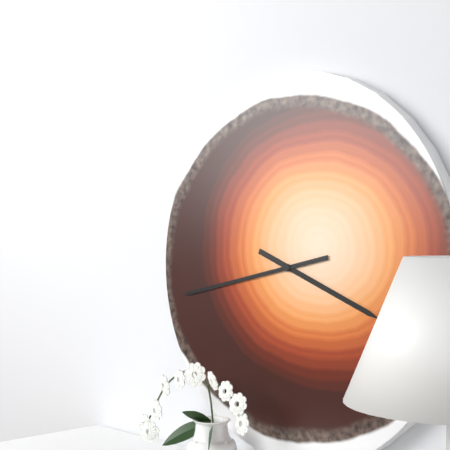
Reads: 3 h 43 min
